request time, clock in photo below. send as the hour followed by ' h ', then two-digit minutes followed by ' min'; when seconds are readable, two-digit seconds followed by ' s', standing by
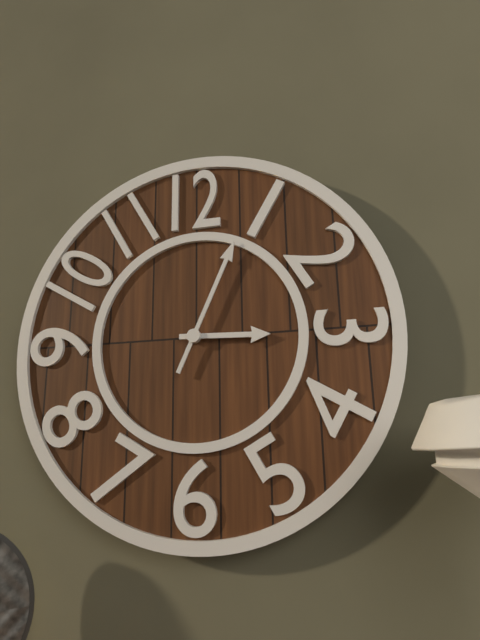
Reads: 3 h 04 min
